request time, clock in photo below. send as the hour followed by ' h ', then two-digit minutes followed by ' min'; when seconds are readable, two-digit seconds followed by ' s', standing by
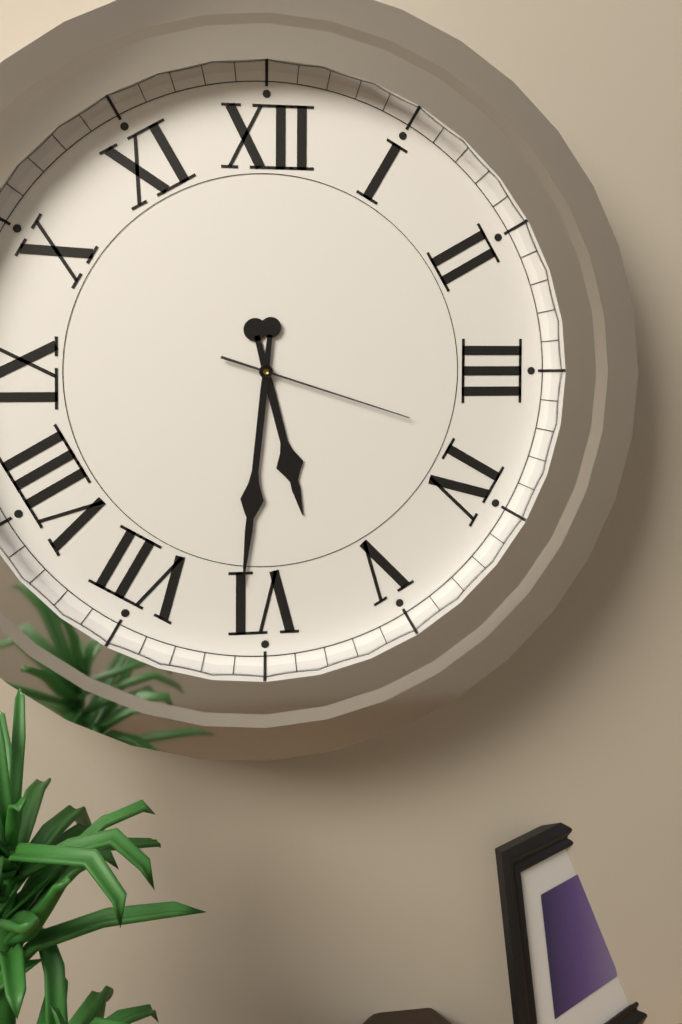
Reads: 5 h 31 min 18 s
